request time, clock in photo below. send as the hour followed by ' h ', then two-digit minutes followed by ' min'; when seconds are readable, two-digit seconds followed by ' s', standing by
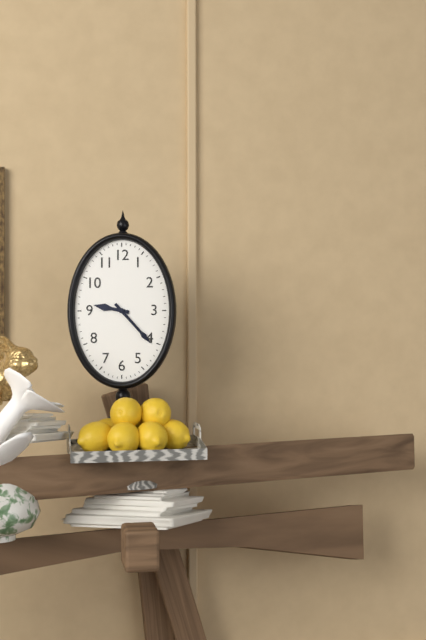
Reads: 9 h 23 min
